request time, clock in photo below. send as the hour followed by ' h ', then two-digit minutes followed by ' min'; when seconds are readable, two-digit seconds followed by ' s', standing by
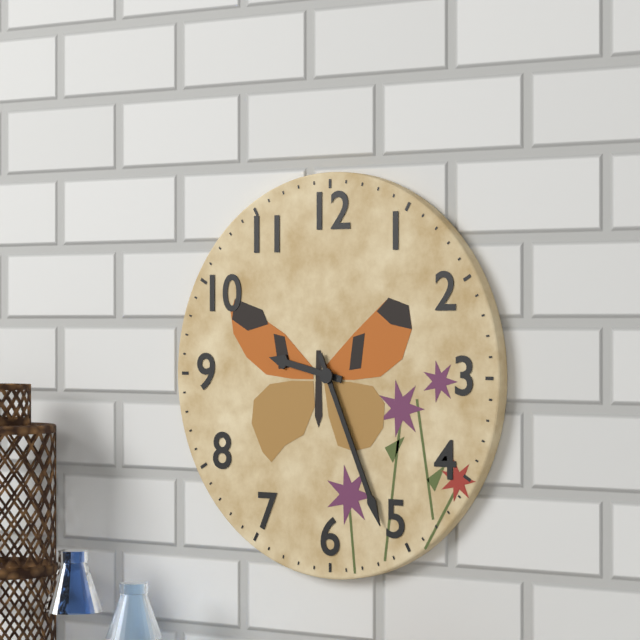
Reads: 9 h 26 min
